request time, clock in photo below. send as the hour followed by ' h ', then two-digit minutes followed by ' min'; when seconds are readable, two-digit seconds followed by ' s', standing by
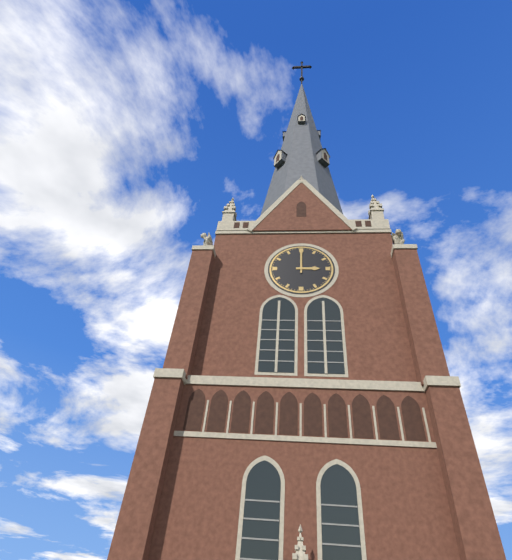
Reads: 3 h 00 min
